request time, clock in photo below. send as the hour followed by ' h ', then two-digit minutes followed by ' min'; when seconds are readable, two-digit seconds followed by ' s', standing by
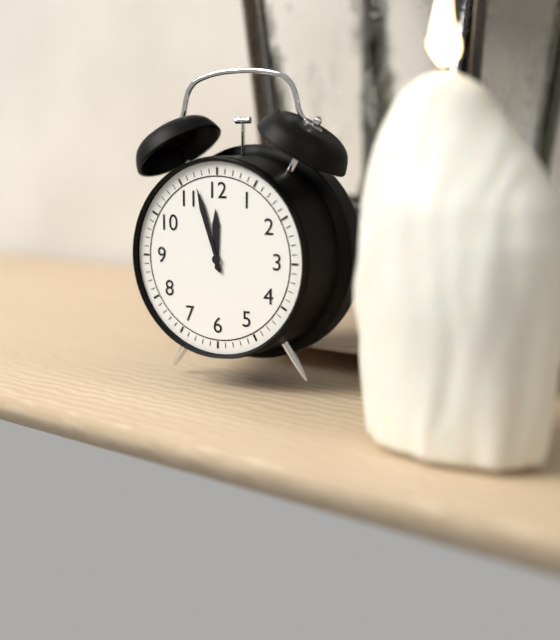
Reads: 11 h 57 min
